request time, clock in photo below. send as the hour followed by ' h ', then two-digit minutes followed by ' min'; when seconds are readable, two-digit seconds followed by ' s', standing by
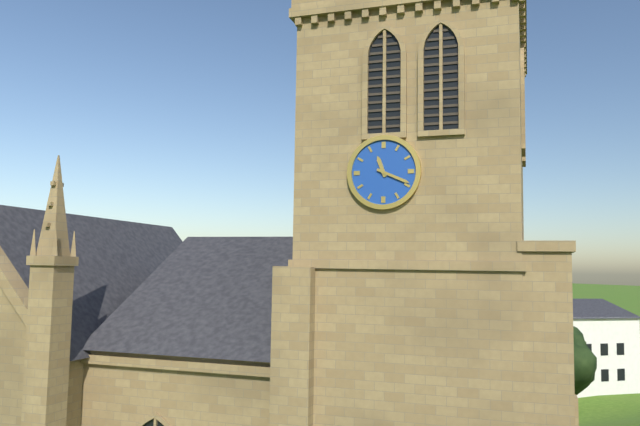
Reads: 11 h 19 min
